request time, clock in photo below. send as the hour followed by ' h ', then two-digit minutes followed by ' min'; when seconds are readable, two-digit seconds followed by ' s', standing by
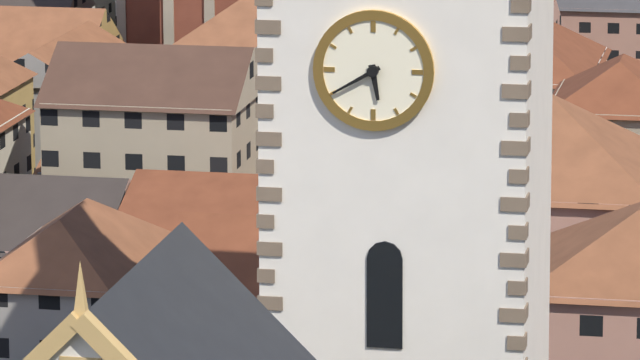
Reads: 5 h 40 min
